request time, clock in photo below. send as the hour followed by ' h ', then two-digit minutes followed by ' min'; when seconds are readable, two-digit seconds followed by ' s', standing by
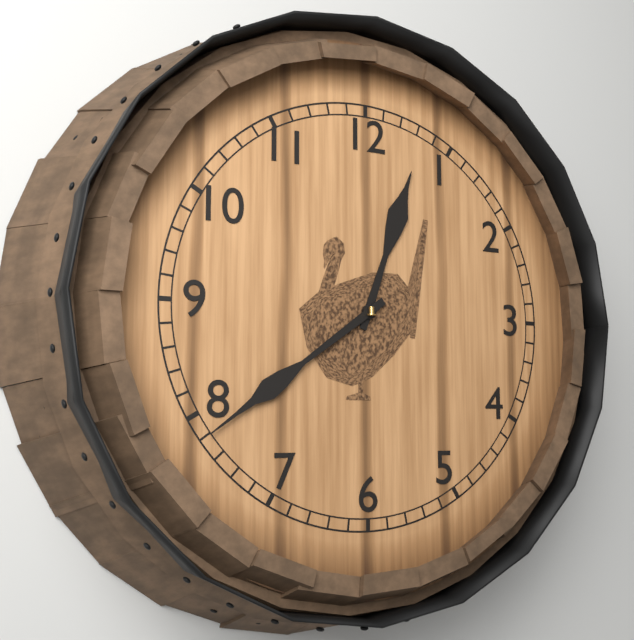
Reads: 12 h 39 min
